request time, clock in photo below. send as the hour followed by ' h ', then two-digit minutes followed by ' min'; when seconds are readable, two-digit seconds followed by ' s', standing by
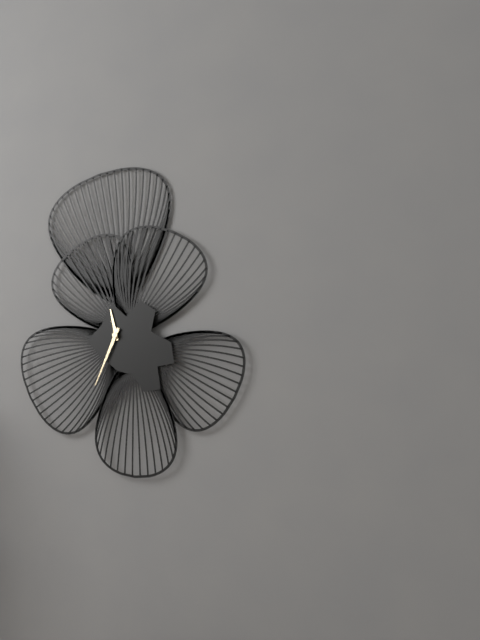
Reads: 11 h 34 min
